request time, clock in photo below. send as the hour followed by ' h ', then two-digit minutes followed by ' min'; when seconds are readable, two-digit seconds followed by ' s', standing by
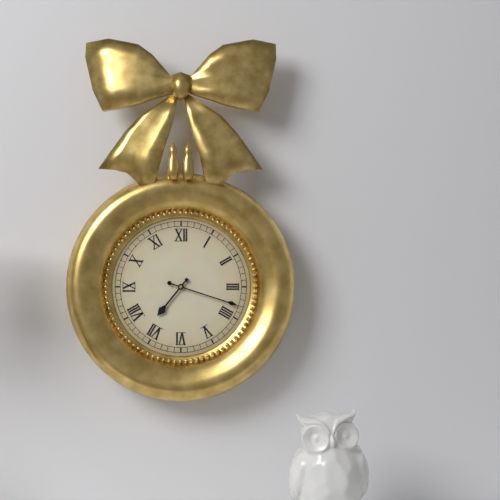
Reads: 7 h 18 min
